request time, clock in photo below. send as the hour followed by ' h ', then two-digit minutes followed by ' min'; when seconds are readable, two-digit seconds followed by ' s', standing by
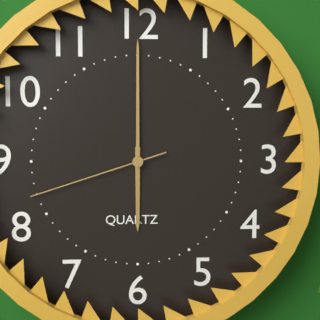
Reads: 6 h 00 min 42 s
